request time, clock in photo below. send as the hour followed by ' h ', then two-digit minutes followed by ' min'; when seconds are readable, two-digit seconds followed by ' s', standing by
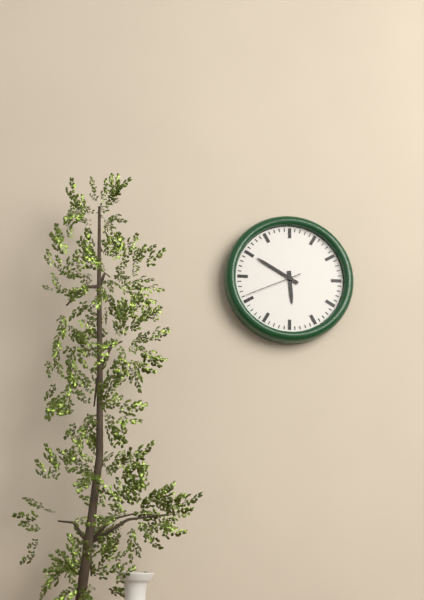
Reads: 5 h 50 min 41 s
